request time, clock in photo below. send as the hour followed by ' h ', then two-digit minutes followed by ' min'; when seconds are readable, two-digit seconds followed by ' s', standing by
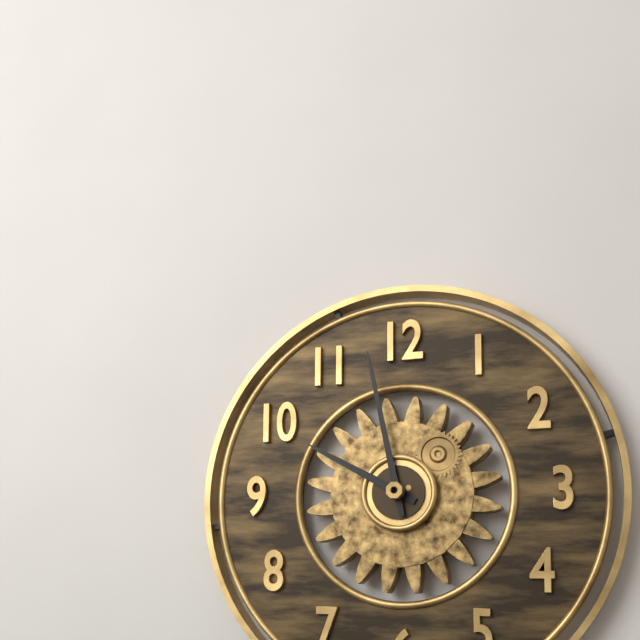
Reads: 9 h 58 min
